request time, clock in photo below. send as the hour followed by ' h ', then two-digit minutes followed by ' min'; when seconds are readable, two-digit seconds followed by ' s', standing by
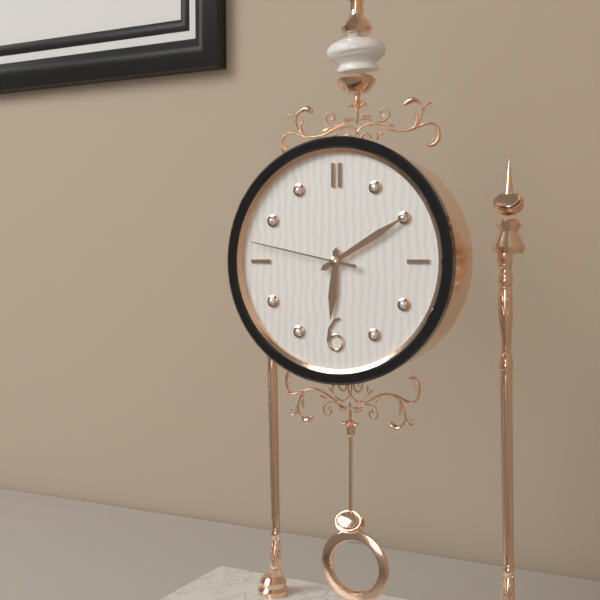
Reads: 6 h 10 min 47 s
